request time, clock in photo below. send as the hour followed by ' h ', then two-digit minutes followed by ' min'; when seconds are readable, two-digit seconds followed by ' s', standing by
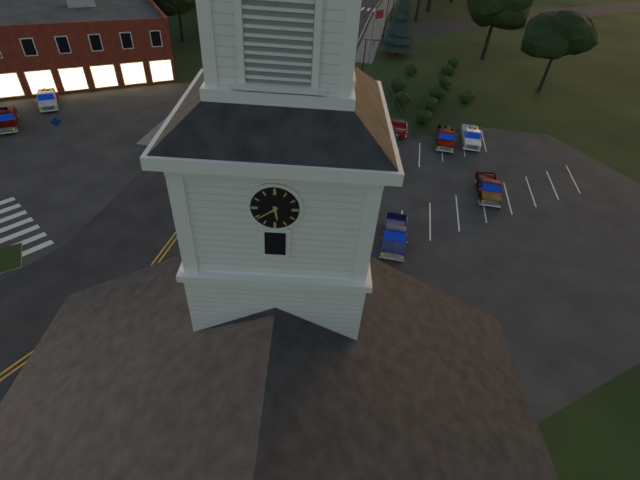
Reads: 5 h 39 min
